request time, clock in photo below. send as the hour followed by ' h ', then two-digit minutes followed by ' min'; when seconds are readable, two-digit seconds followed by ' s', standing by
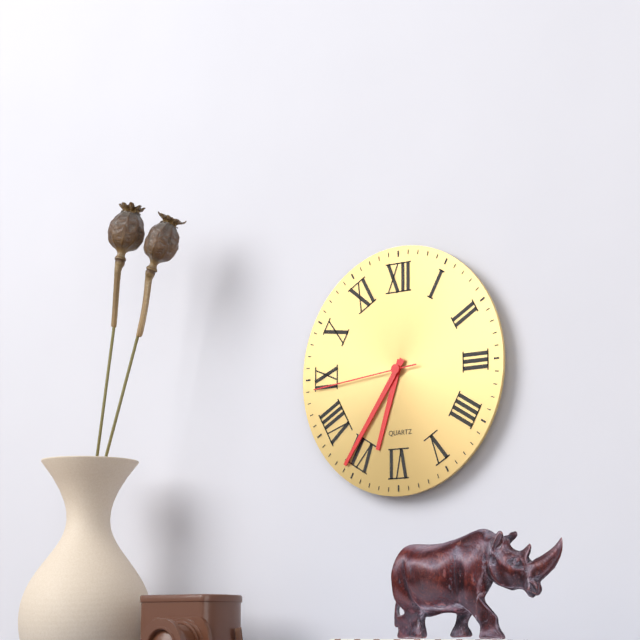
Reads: 6 h 36 min 44 s
